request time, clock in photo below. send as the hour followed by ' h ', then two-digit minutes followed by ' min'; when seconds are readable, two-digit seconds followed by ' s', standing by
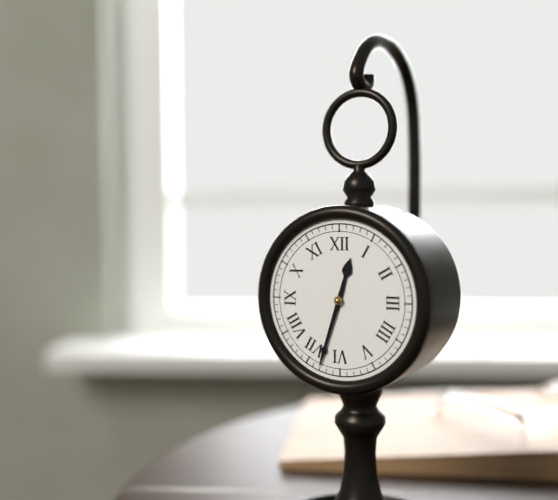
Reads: 12 h 33 min
